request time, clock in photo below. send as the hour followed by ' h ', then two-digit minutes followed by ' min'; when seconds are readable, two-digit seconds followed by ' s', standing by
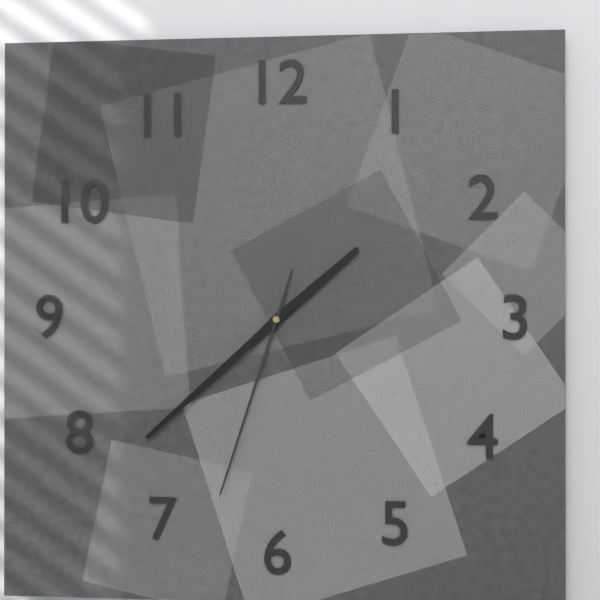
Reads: 1 h 38 min 33 s
